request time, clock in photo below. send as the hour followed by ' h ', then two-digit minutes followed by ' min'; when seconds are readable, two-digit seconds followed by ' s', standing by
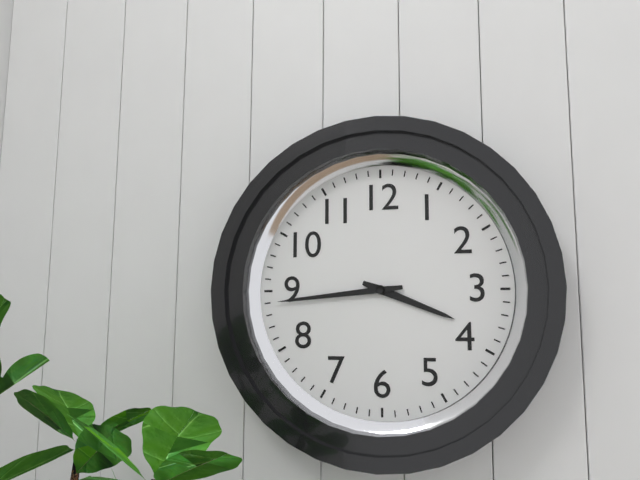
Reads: 3 h 44 min
